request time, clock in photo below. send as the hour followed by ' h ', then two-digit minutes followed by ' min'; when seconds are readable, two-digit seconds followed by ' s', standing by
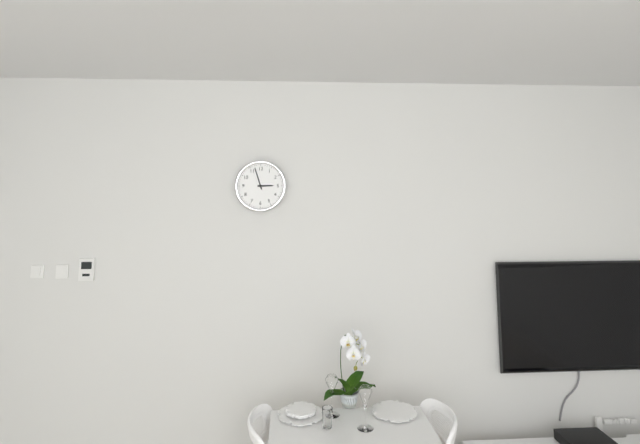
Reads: 2 h 57 min
